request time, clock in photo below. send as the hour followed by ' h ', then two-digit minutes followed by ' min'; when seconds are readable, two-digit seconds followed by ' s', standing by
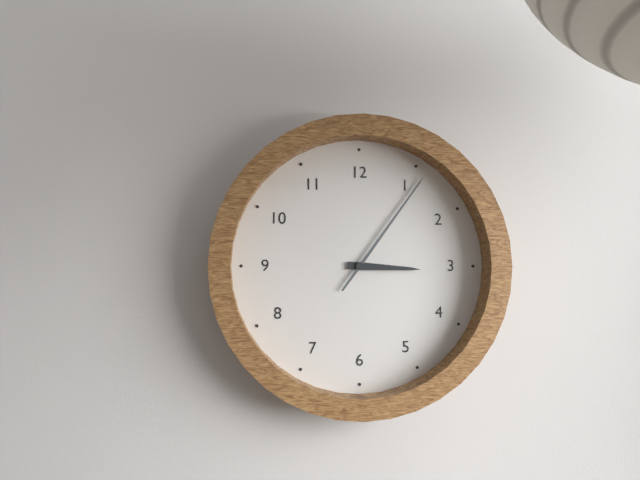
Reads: 3 h 06 min
